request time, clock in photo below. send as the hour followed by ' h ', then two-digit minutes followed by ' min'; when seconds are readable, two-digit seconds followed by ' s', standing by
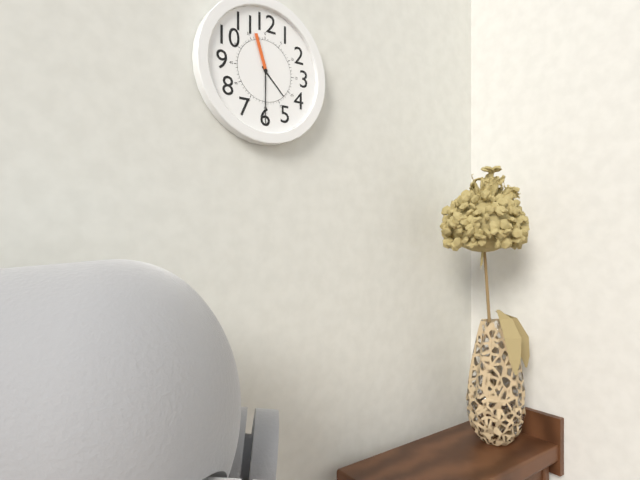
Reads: 4 h 30 min
